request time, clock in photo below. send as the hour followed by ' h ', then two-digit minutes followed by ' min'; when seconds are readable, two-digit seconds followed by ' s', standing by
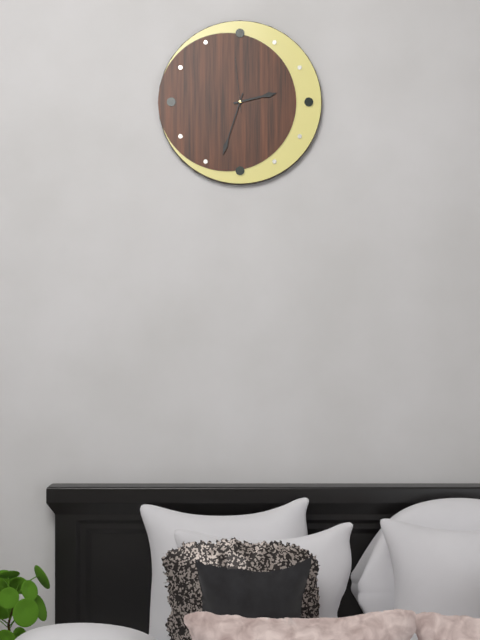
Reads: 2 h 33 min 59 s
